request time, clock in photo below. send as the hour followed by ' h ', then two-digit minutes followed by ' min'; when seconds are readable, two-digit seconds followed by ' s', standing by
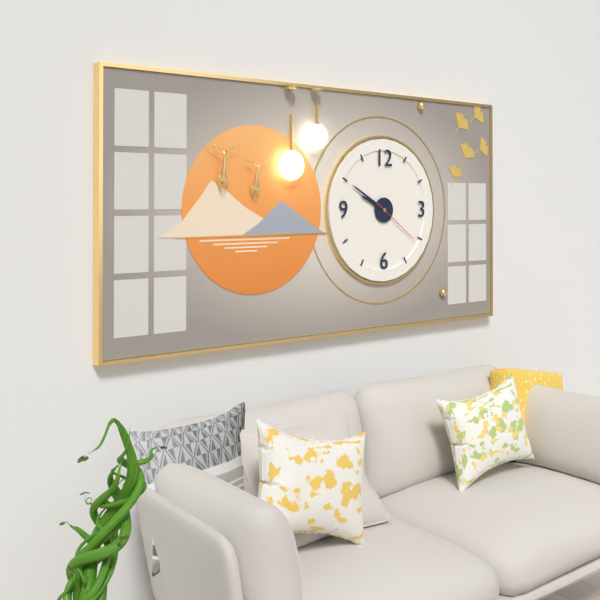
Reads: 9 h 50 min 21 s
